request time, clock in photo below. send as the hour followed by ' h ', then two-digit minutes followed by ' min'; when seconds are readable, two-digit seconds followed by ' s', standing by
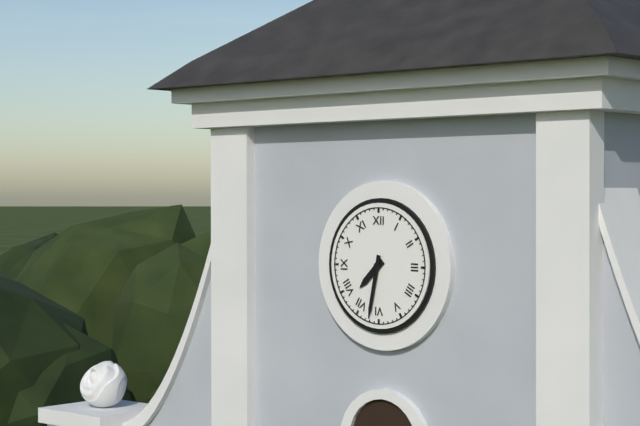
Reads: 7 h 32 min
